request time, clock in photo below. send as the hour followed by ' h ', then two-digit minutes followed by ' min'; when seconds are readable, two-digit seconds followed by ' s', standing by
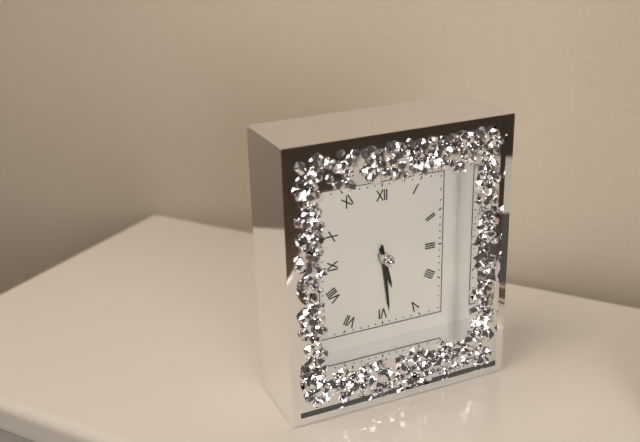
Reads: 5 h 29 min
